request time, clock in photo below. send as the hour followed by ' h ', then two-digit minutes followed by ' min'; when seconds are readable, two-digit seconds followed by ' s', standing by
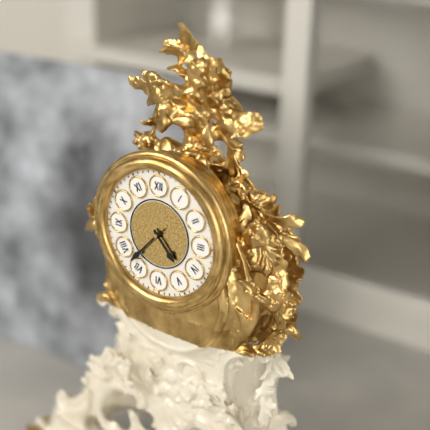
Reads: 4 h 37 min
